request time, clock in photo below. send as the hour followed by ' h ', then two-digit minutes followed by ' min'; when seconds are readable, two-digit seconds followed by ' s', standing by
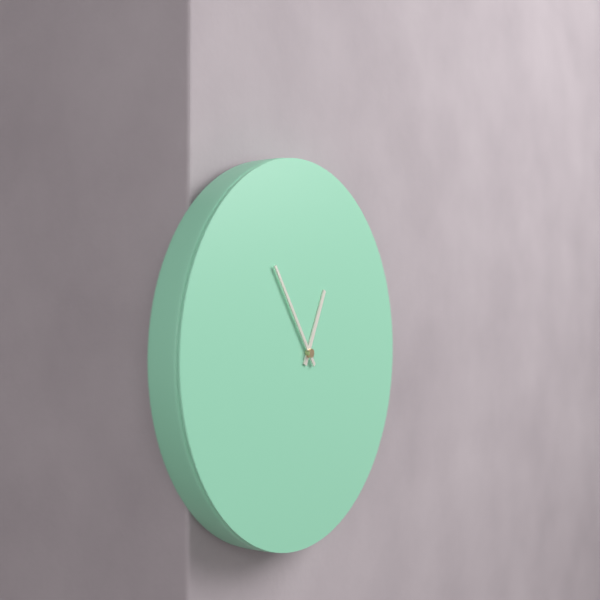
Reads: 12 h 54 min
